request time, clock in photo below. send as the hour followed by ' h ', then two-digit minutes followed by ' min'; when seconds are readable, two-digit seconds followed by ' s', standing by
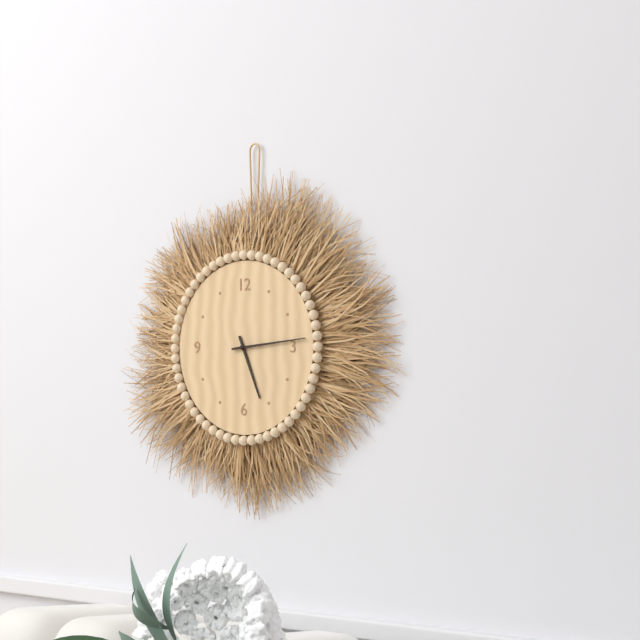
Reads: 5 h 14 min
